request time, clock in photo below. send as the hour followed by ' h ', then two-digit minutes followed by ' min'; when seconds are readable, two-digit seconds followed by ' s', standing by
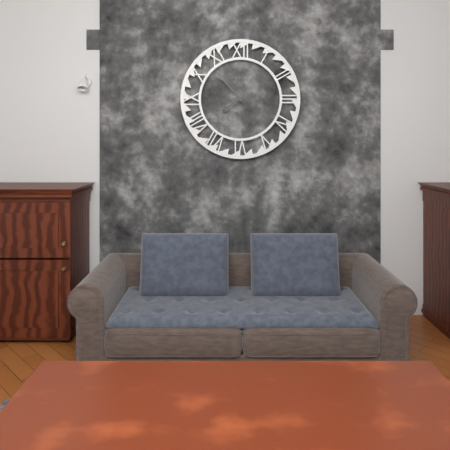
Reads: 7 h 53 min
